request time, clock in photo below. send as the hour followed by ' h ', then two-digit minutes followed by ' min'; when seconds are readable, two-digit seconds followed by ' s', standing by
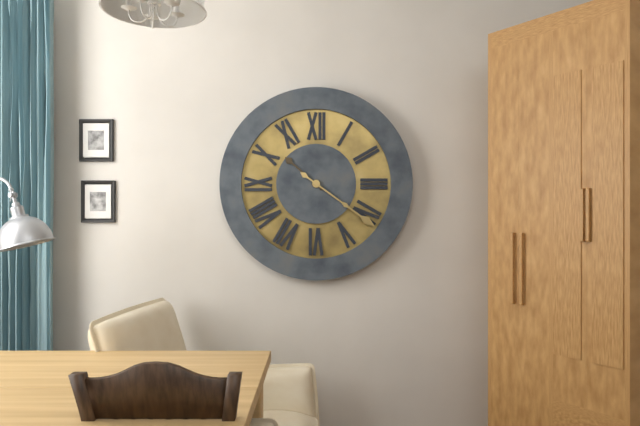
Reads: 10 h 21 min
